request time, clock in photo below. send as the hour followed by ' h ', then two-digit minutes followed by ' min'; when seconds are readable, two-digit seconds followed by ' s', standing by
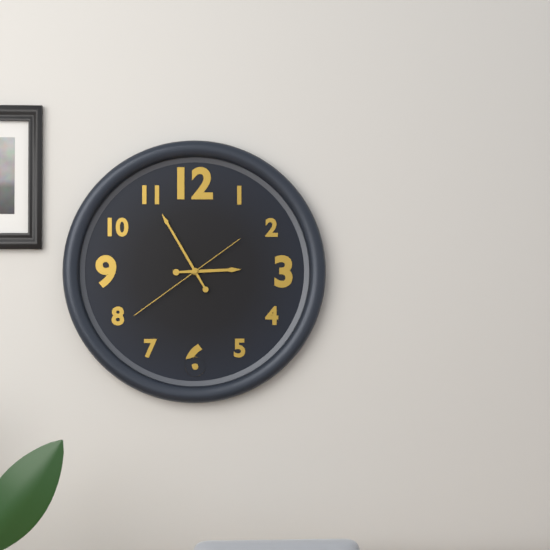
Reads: 2 h 55 min 39 s
